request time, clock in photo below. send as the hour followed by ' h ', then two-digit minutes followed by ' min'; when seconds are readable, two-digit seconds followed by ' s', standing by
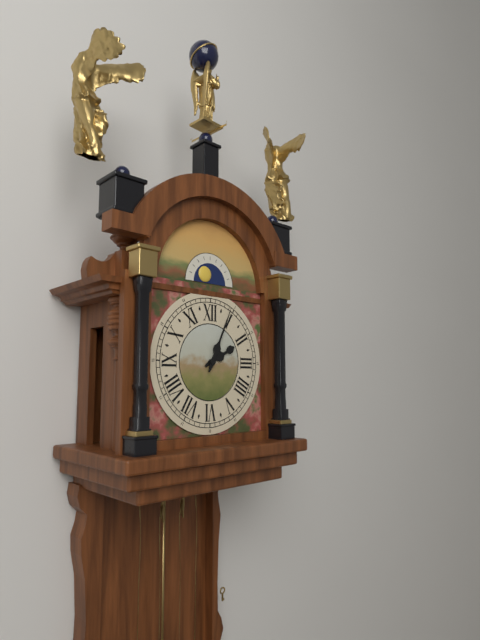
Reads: 2 h 04 min
